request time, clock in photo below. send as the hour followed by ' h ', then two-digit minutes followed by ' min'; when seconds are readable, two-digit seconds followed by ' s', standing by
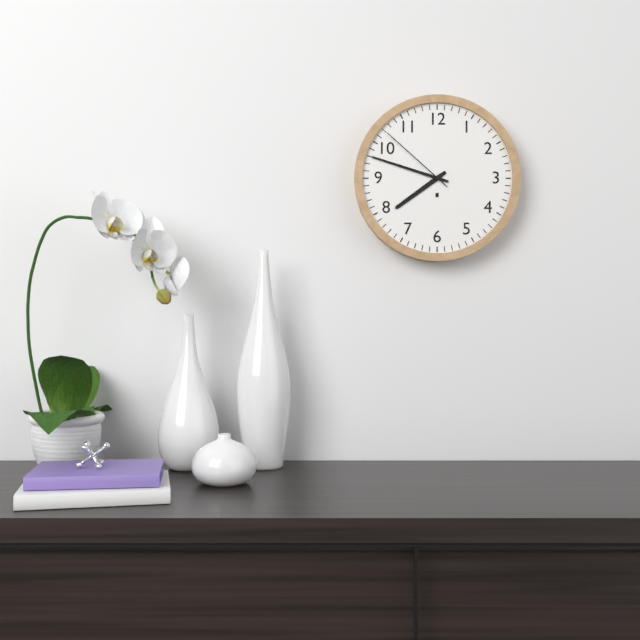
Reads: 7 h 48 min 52 s
